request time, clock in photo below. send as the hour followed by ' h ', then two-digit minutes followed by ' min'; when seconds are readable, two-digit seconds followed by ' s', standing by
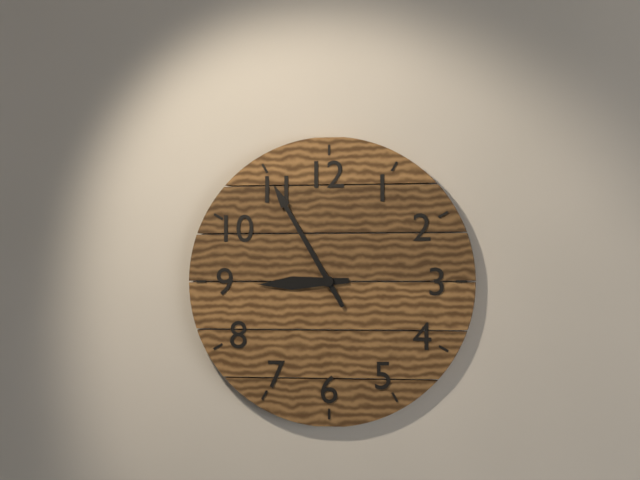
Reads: 8 h 55 min
